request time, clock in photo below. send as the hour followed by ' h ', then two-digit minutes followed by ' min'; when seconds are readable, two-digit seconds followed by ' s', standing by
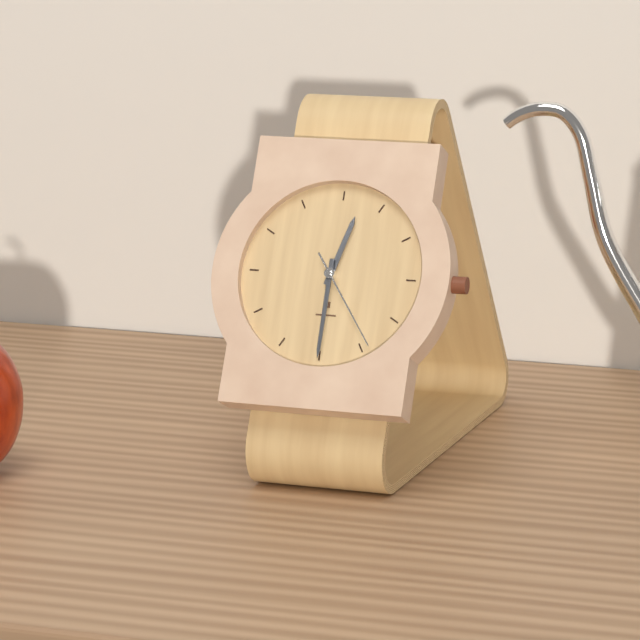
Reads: 12 h 30 min 24 s
